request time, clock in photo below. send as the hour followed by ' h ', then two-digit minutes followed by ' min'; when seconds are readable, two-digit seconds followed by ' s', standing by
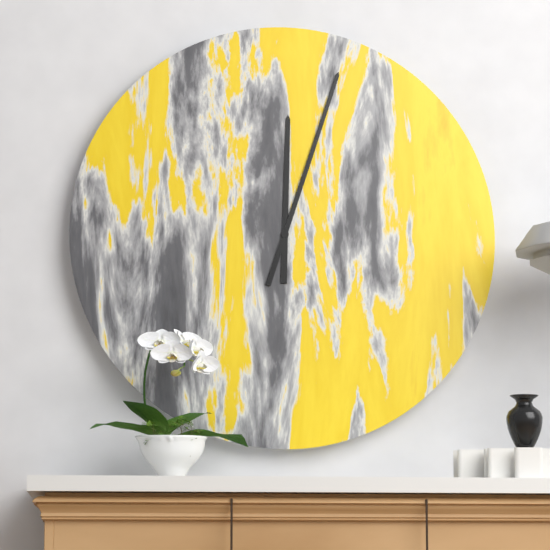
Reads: 12 h 03 min
